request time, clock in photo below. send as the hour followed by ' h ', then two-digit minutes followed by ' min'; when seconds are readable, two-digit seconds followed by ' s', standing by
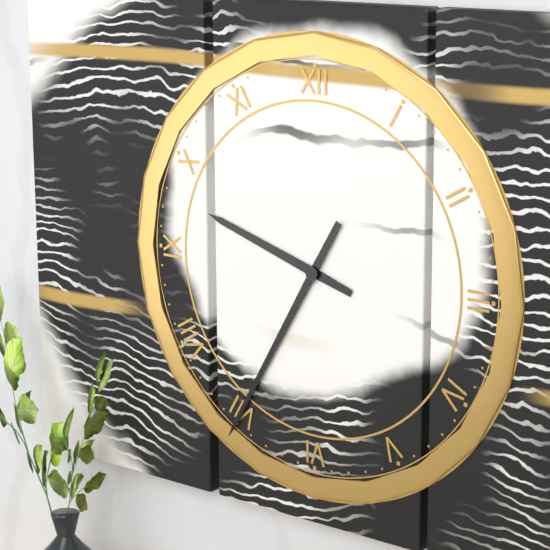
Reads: 9 h 35 min
